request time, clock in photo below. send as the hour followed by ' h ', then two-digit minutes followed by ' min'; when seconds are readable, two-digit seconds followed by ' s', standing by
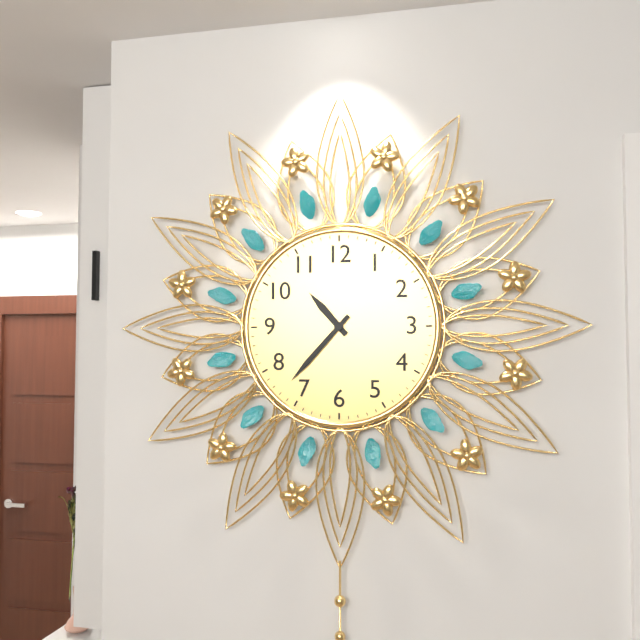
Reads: 10 h 37 min
